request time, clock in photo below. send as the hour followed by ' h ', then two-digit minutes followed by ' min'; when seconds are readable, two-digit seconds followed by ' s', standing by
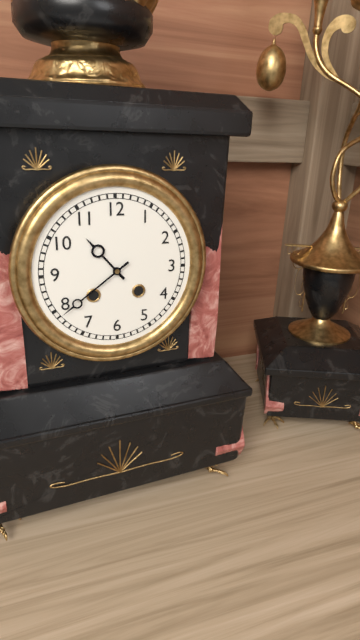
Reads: 10 h 39 min
